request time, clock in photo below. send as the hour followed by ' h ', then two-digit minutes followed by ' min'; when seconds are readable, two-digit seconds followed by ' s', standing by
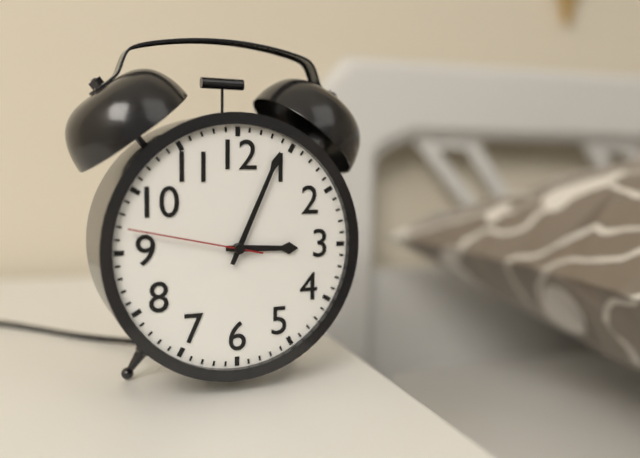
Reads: 3 h 04 min 47 s
